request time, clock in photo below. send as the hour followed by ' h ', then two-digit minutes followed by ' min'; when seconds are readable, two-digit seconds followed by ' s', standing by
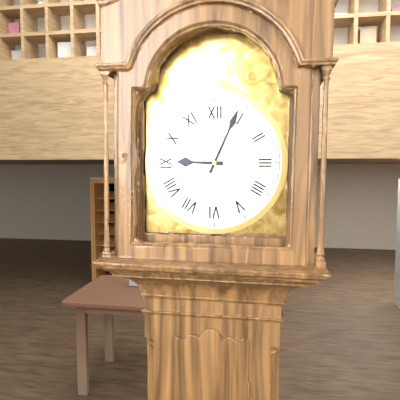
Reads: 9 h 04 min
